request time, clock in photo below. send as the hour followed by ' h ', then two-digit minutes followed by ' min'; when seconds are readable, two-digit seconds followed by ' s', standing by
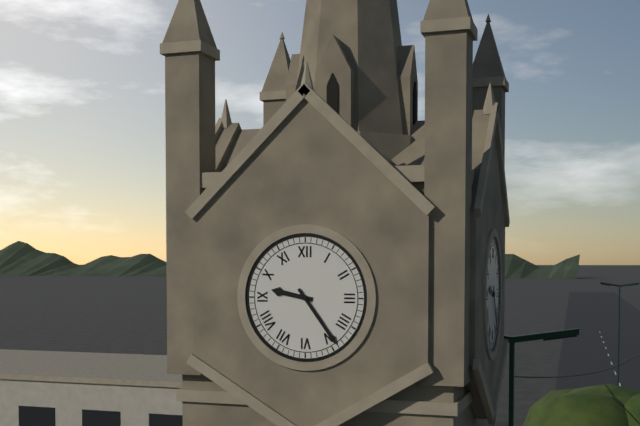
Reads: 9 h 24 min
